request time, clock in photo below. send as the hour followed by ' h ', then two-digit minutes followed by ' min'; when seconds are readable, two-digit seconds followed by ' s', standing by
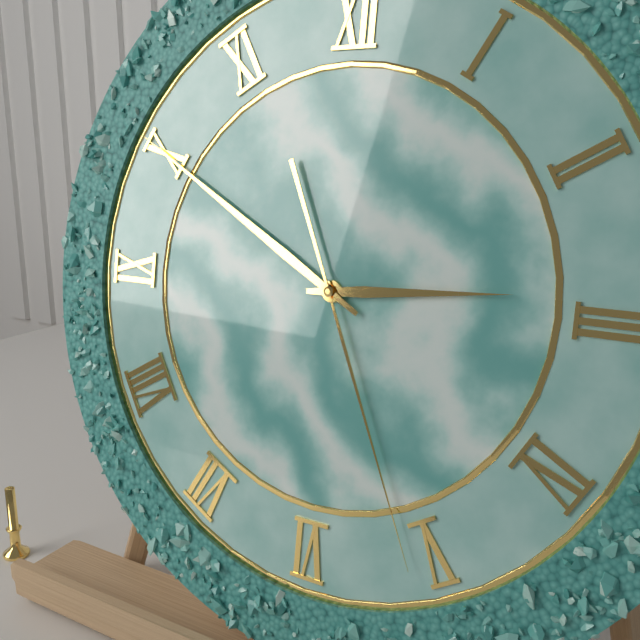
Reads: 2 h 50 min 26 s
